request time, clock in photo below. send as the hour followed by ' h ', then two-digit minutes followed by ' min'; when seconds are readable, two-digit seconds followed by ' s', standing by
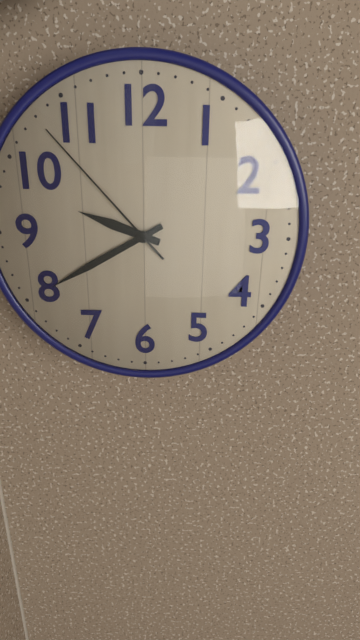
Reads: 9 h 40 min 53 s
